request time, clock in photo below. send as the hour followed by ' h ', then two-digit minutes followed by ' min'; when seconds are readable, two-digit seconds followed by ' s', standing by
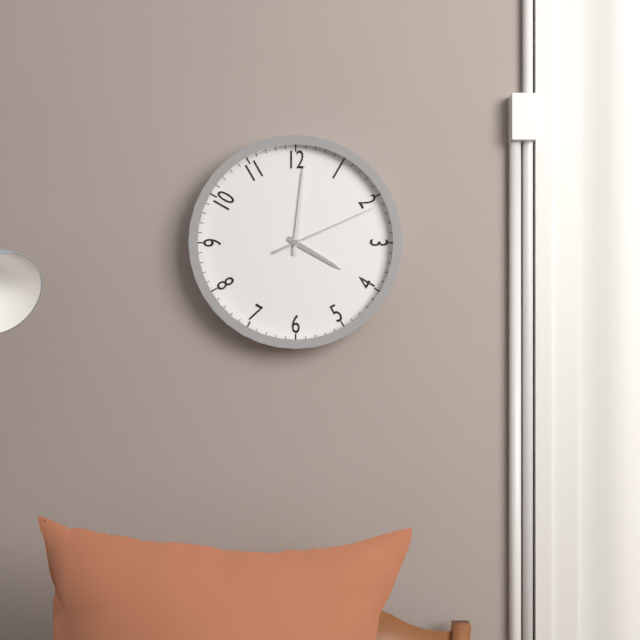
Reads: 4 h 01 min 11 s
